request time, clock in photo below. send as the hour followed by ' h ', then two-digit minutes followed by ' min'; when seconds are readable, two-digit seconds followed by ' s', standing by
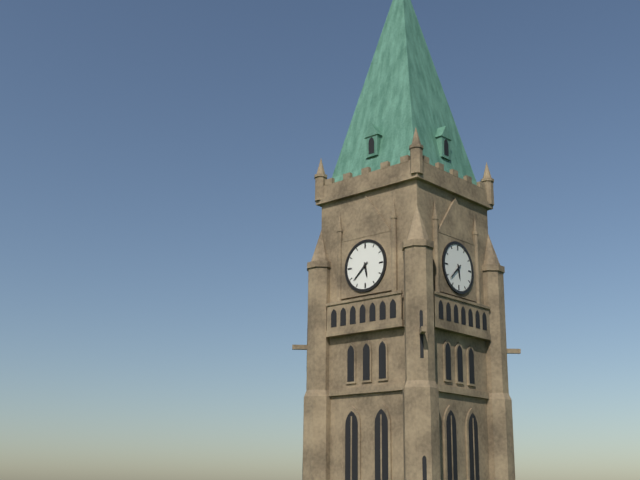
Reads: 5 h 38 min
